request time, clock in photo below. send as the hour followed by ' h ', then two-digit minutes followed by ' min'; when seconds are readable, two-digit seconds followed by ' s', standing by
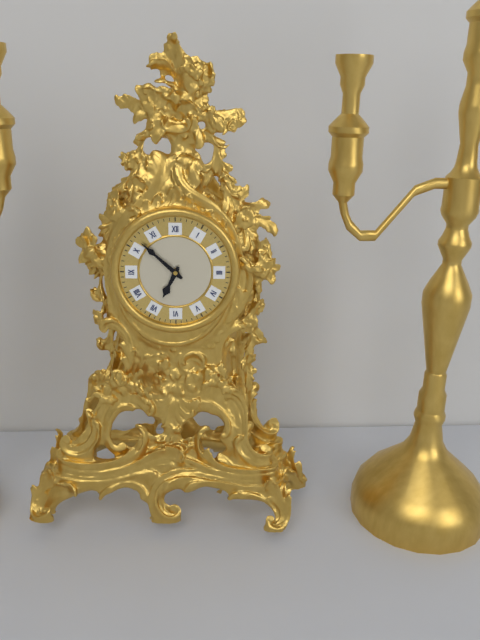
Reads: 6 h 52 min
